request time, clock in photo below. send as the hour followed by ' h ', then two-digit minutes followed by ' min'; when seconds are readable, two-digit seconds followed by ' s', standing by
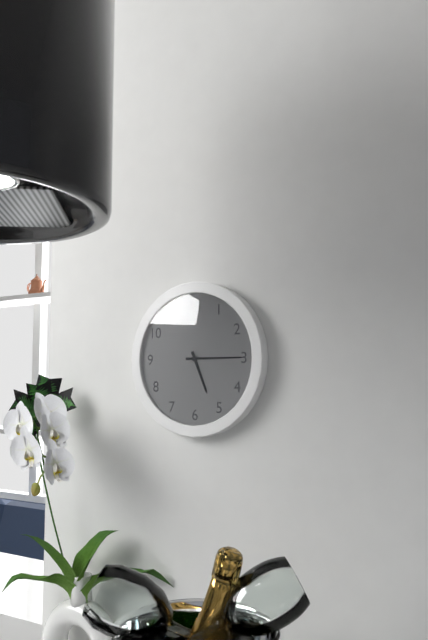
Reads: 5 h 15 min
